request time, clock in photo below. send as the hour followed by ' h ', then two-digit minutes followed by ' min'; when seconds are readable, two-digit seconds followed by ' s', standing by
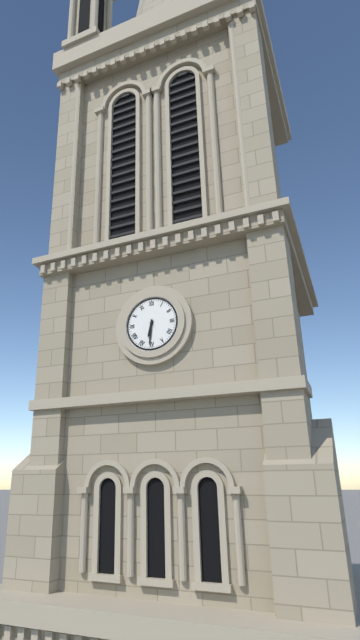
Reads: 6 h 31 min
